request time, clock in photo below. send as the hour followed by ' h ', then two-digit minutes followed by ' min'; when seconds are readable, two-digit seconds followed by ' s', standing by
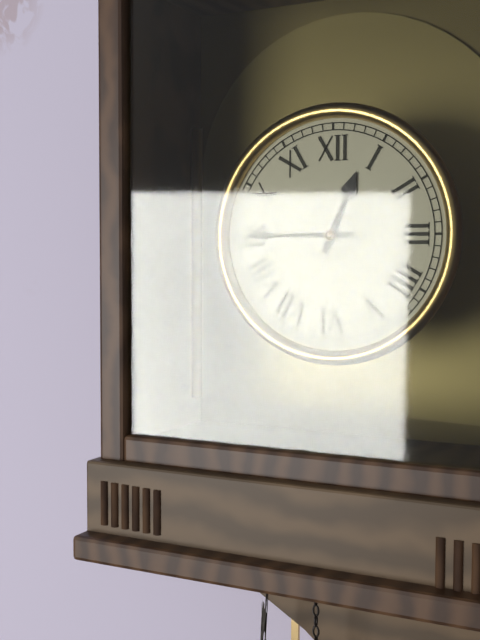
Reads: 12 h 45 min
